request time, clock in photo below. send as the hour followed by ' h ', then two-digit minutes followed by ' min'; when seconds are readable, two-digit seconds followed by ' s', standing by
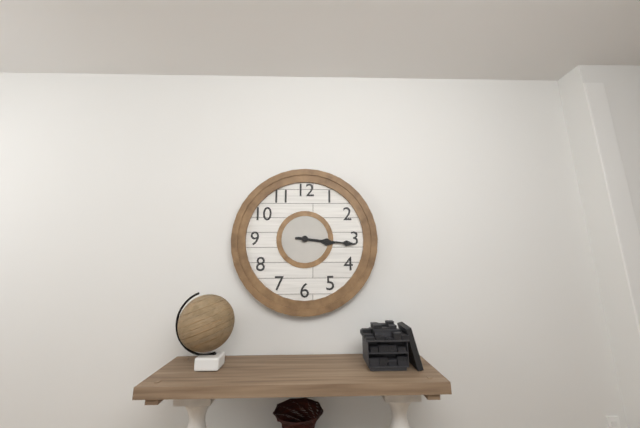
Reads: 3 h 16 min
